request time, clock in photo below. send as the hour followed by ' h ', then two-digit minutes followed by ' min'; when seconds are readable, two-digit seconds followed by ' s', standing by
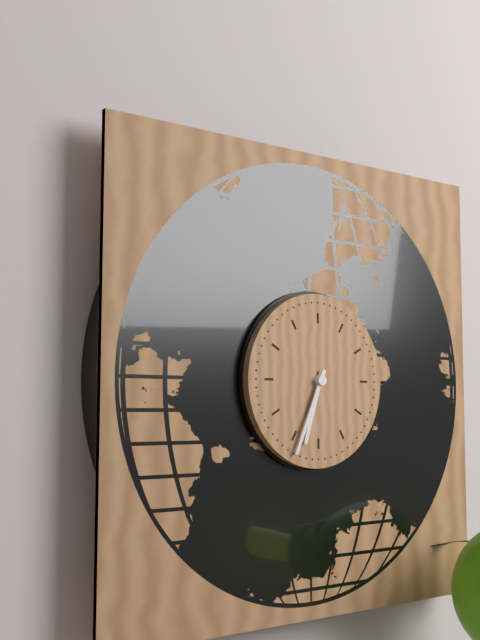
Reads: 6 h 34 min
